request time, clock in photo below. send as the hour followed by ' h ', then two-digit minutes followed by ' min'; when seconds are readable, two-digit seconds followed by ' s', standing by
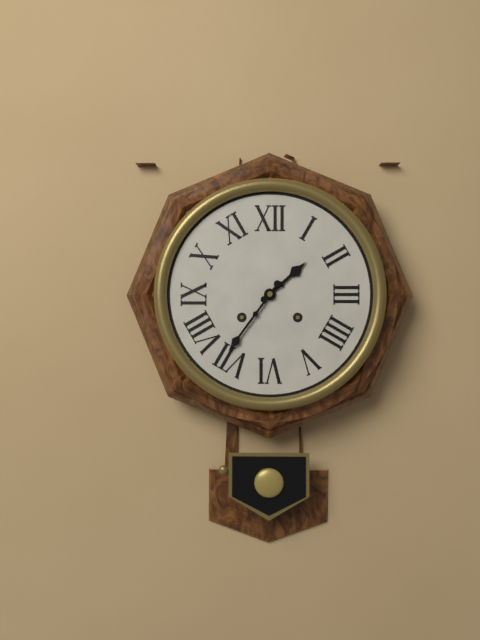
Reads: 1 h 36 min
